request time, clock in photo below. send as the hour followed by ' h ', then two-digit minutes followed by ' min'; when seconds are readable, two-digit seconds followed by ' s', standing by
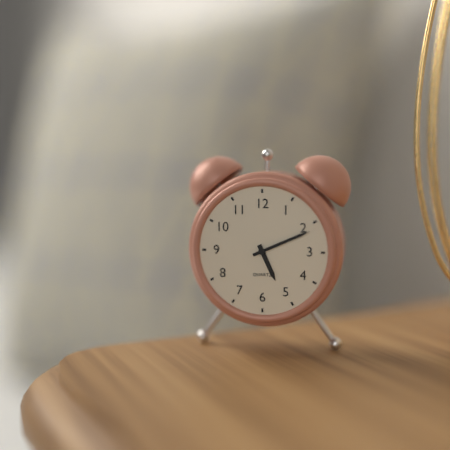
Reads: 5 h 11 min
